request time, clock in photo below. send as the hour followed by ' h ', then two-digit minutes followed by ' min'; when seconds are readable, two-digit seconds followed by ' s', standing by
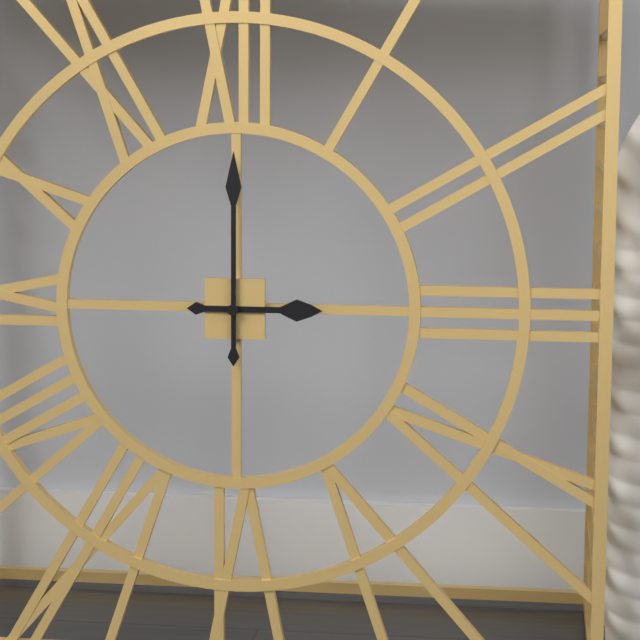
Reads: 3 h 00 min
